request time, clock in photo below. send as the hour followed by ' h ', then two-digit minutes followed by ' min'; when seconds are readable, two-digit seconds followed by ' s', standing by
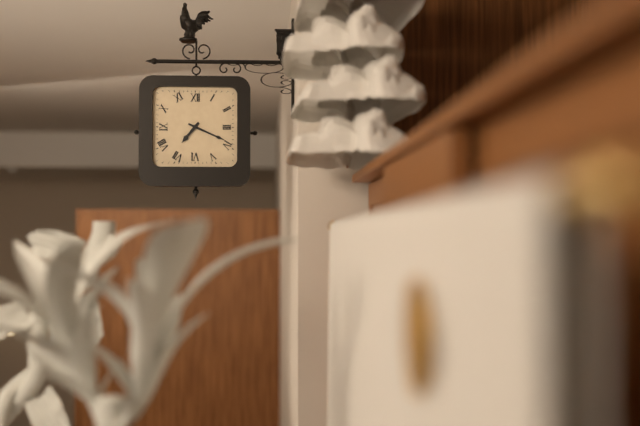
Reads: 7 h 19 min
